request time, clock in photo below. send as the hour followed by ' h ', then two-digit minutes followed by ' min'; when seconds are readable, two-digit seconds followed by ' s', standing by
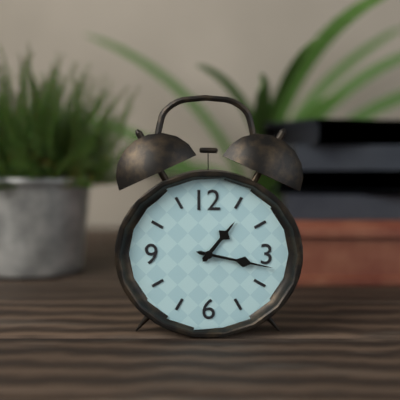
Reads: 1 h 17 min
